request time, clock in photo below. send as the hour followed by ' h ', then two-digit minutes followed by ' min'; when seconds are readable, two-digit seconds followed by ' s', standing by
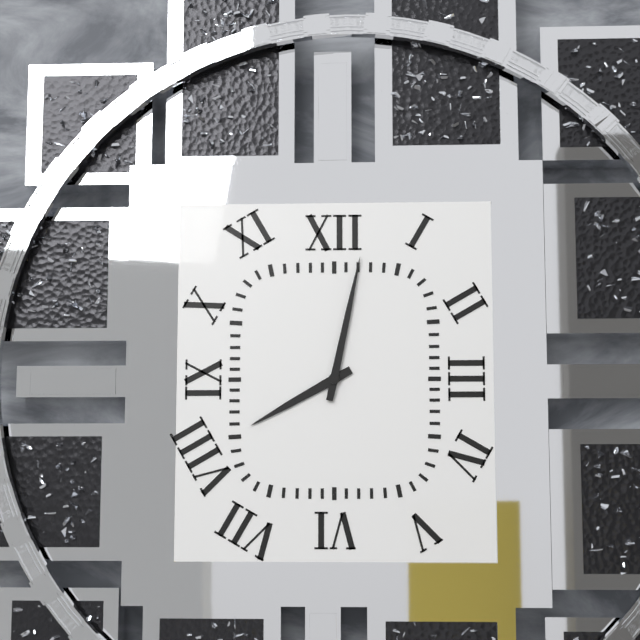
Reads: 8 h 02 min
